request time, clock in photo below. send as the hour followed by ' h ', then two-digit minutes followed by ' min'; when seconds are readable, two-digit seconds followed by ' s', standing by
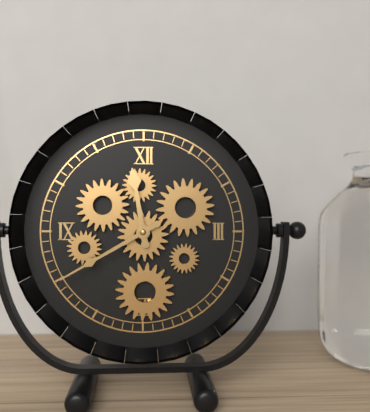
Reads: 11 h 40 min
